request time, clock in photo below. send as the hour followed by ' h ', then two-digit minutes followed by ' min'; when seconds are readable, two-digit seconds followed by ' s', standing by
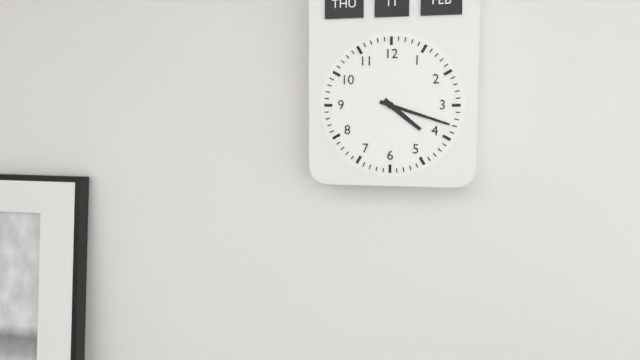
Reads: 4 h 18 min
